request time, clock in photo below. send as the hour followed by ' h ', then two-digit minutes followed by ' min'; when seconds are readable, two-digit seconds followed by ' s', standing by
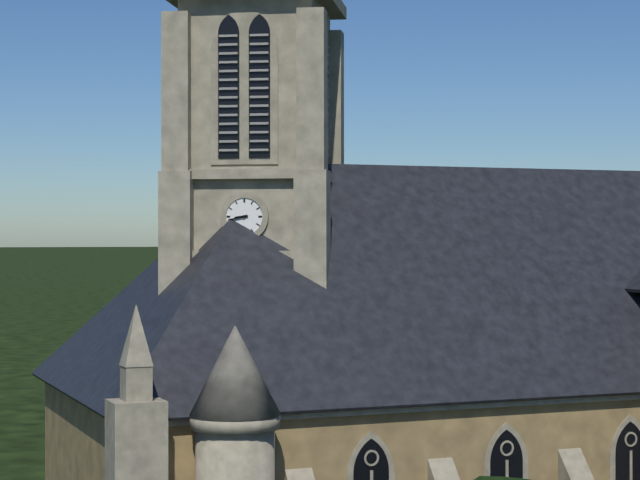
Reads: 8 h 43 min
